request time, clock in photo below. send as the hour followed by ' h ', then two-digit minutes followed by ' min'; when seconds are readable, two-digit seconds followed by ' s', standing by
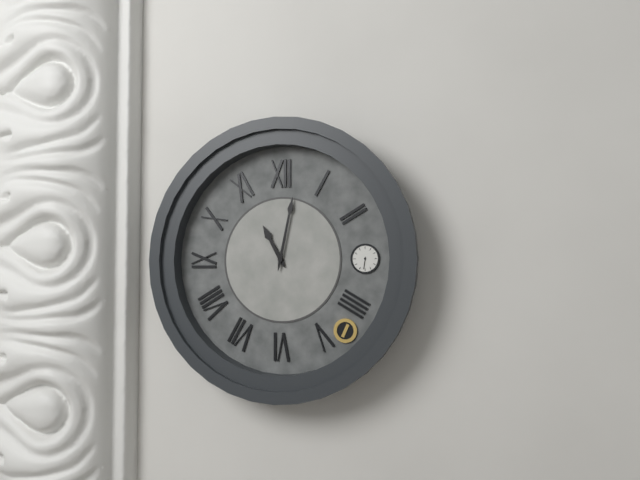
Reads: 11 h 02 min
